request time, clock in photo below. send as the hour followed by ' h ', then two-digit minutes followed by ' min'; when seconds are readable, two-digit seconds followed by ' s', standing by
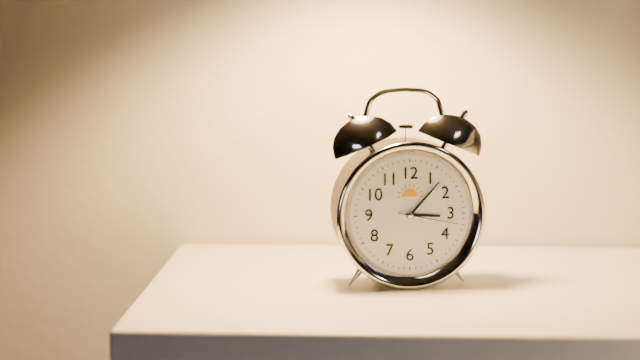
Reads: 3 h 07 min 17 s
